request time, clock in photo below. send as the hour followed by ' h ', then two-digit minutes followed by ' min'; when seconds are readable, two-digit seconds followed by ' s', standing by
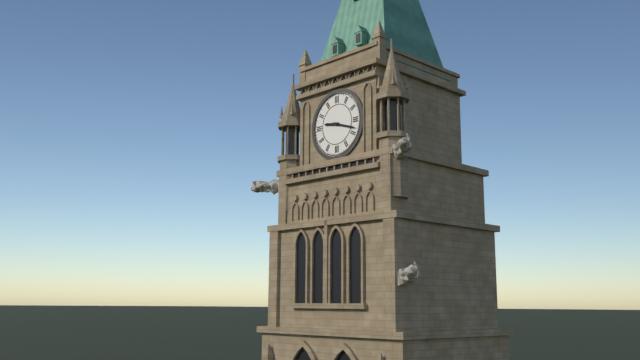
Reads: 9 h 18 min
